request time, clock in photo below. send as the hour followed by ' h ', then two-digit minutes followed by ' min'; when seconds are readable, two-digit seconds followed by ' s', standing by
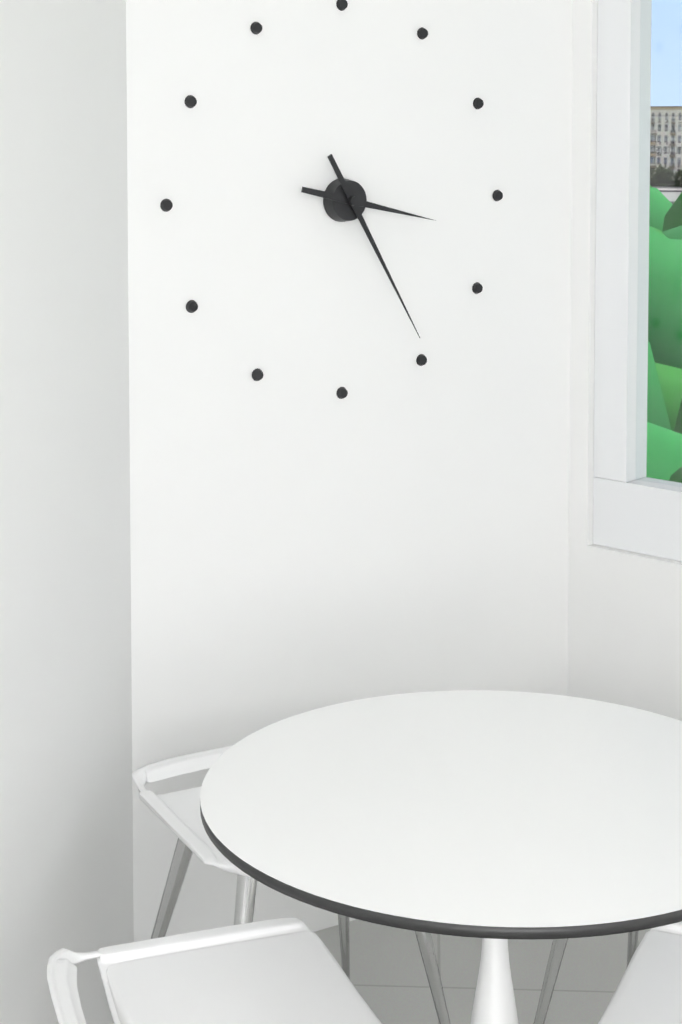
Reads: 3 h 25 min
